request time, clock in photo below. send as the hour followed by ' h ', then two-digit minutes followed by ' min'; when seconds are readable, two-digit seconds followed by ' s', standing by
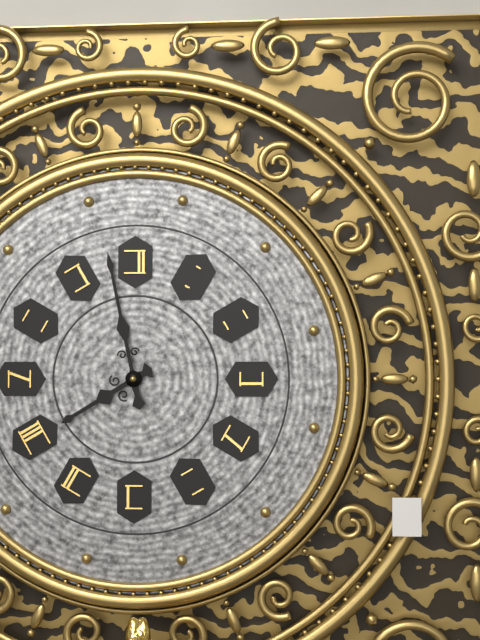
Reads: 7 h 58 min
